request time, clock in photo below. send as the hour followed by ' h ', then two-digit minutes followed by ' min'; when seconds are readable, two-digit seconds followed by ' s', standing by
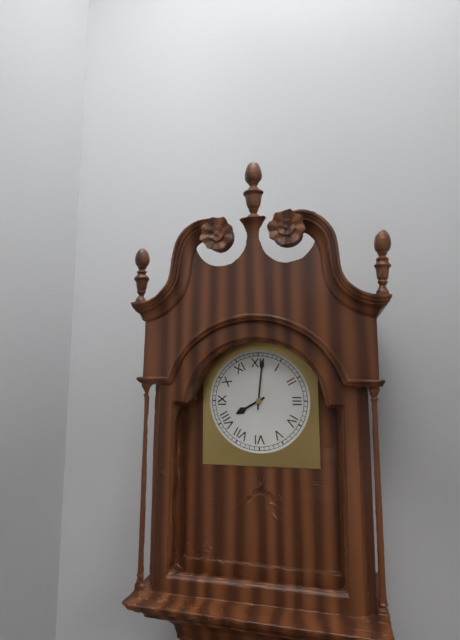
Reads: 8 h 01 min
